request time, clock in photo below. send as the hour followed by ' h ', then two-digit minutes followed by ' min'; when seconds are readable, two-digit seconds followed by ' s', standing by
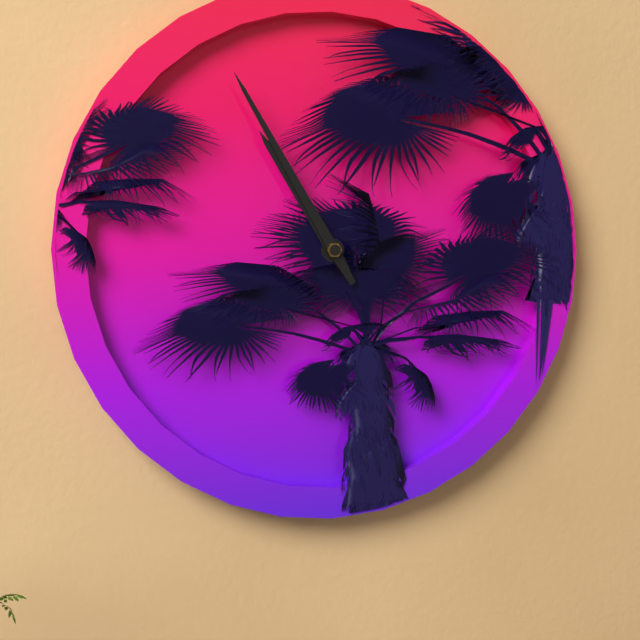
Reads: 10 h 55 min
